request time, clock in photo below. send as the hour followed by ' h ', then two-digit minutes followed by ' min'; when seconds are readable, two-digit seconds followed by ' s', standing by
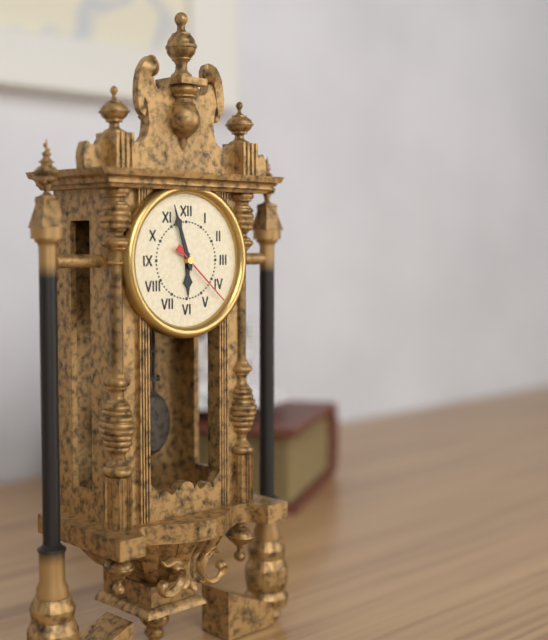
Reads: 5 h 57 min 22 s
